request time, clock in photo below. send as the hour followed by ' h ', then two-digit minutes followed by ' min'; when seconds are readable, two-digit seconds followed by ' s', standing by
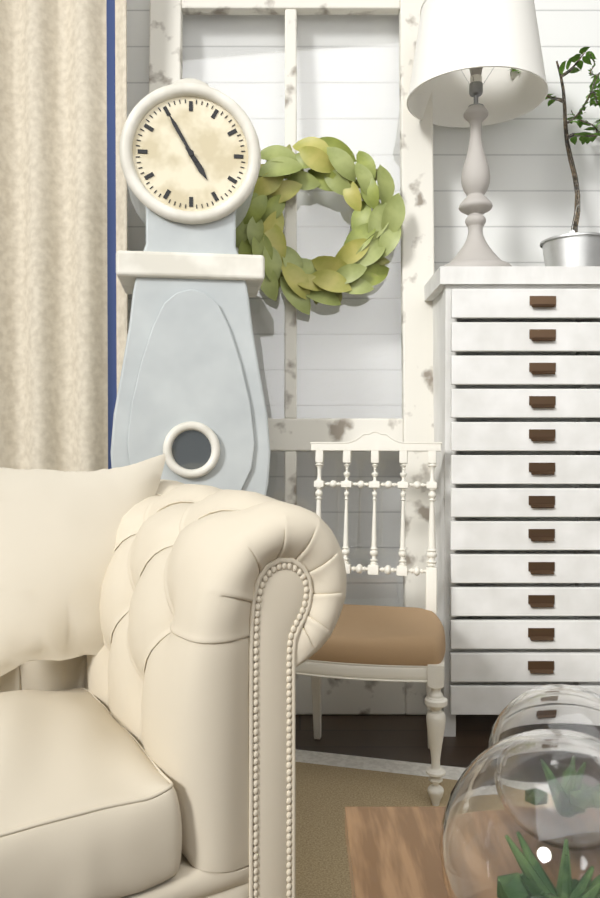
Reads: 4 h 55 min
